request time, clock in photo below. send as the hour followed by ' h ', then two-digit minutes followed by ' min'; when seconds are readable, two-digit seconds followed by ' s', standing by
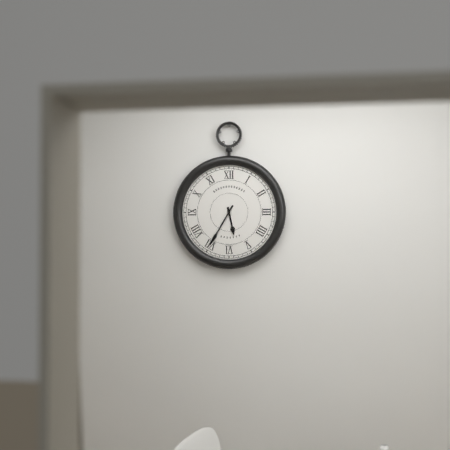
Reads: 5 h 35 min
